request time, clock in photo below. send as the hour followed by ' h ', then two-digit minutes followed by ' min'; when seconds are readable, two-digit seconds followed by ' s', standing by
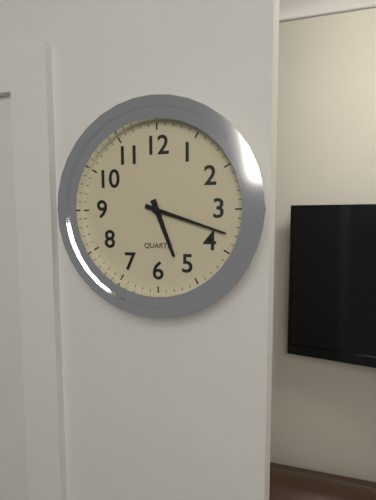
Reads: 5 h 18 min
